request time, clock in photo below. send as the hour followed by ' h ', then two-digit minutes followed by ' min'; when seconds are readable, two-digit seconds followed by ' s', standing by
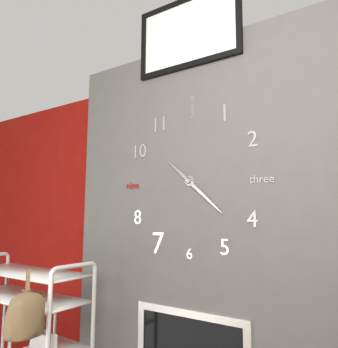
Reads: 10 h 22 min
